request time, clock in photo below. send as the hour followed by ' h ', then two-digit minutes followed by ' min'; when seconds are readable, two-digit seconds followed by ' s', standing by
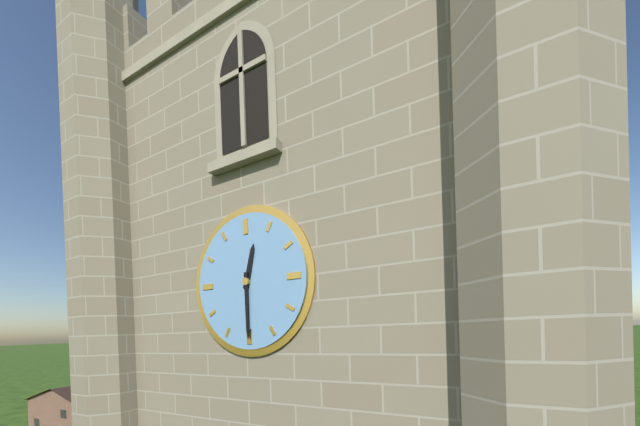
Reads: 12 h 30 min
